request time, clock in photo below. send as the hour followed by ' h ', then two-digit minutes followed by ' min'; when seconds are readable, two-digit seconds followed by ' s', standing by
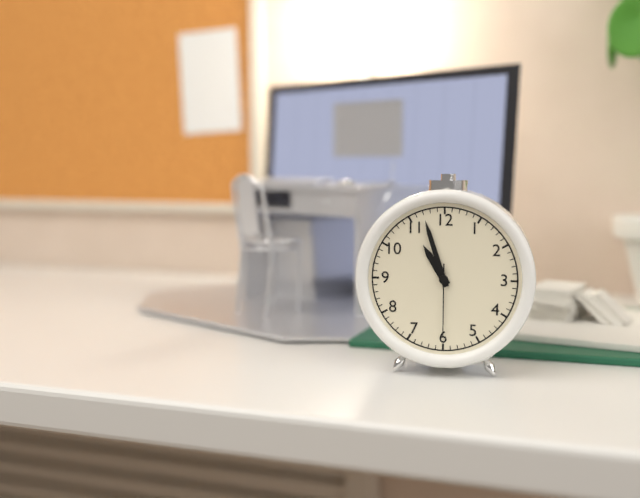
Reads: 10 h 57 min 30 s
